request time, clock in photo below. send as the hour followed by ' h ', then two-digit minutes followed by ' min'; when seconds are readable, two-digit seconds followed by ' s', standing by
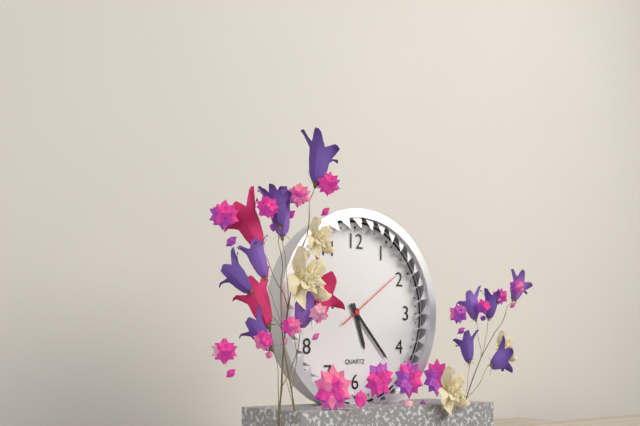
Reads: 5 h 23 min 09 s
